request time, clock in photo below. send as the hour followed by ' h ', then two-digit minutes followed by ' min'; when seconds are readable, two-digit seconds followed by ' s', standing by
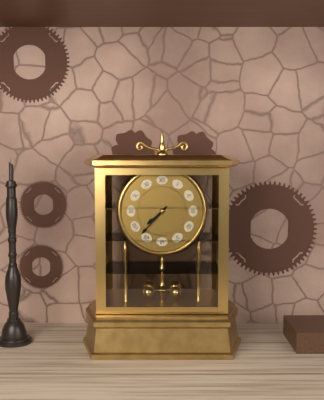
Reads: 7 h 37 min
